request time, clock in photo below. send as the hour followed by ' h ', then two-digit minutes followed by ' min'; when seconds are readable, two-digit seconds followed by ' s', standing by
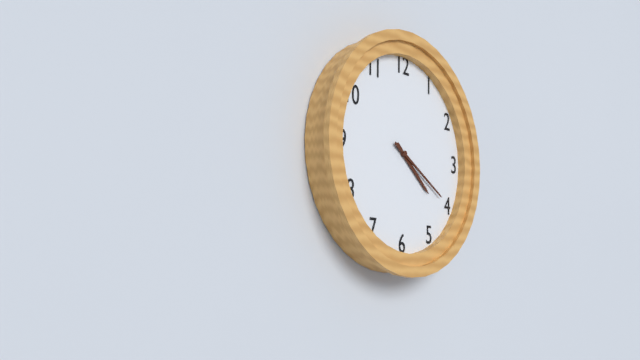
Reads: 4 h 20 min
